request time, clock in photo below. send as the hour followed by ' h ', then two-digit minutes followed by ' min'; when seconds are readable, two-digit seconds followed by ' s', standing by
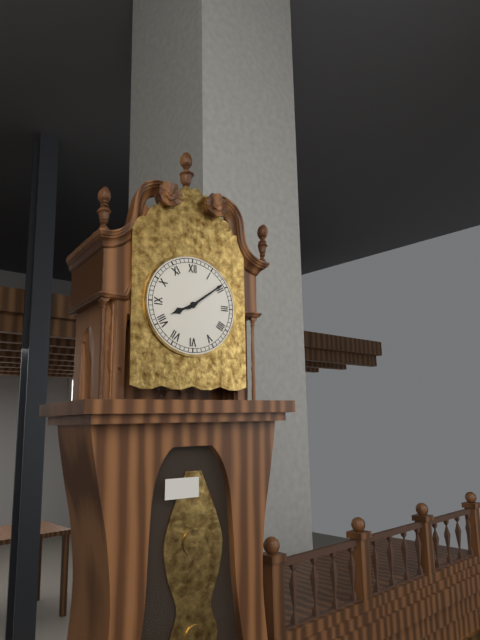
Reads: 8 h 09 min
